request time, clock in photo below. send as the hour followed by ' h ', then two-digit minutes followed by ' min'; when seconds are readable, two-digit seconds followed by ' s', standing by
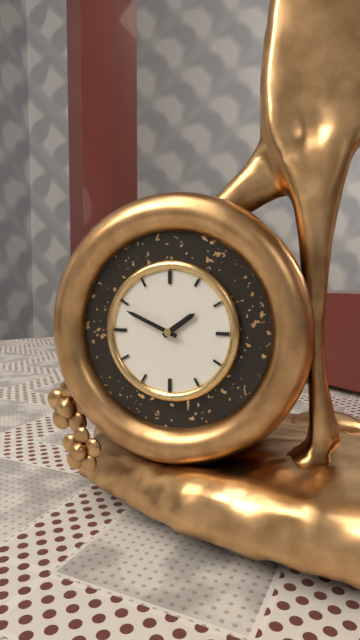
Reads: 1 h 49 min
